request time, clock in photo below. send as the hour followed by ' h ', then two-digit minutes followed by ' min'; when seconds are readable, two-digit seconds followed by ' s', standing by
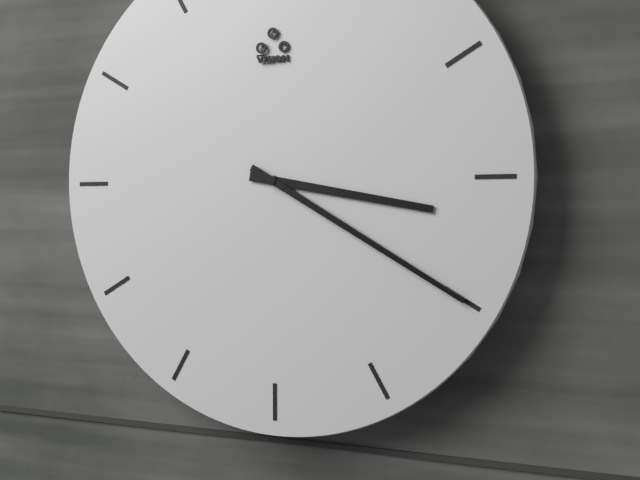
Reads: 3 h 20 min
